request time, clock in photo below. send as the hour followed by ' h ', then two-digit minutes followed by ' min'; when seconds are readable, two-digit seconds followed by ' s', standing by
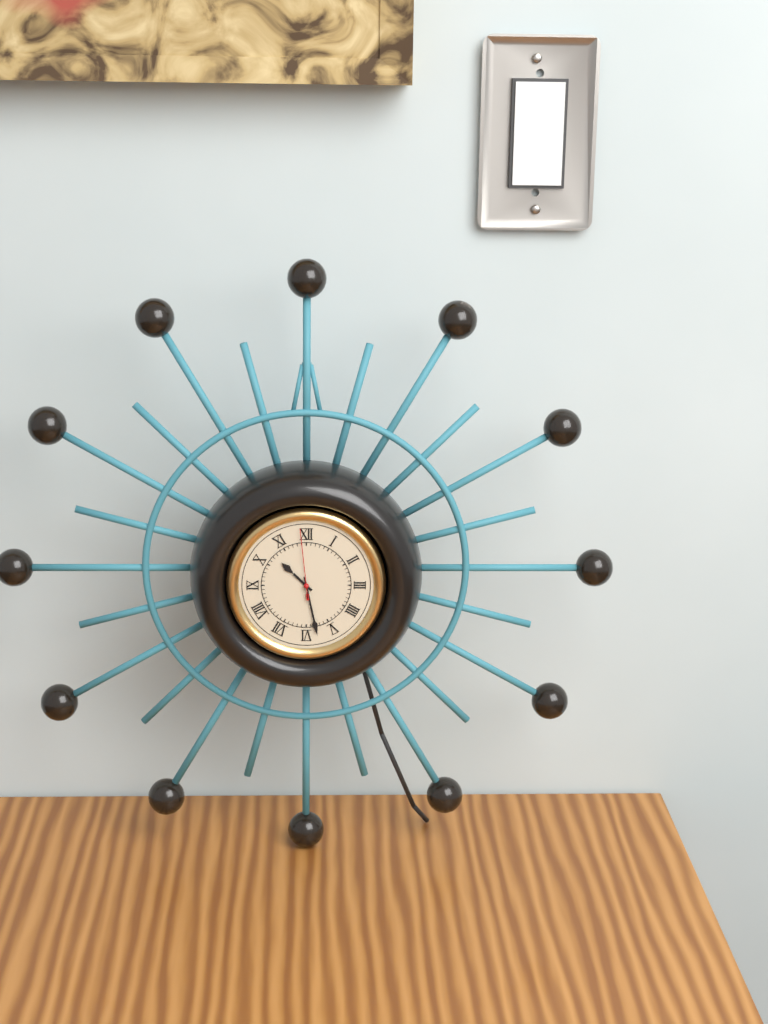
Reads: 10 h 28 min 59 s
